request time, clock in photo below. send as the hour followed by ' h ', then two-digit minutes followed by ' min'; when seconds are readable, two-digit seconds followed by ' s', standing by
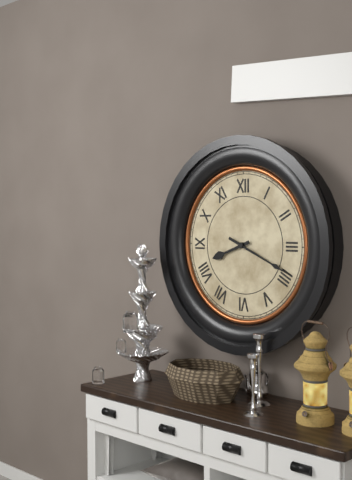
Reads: 8 h 19 min
